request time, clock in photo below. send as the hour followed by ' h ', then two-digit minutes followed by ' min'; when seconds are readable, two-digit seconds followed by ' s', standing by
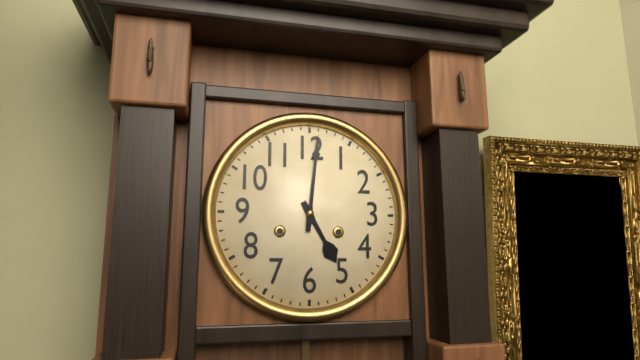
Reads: 5 h 01 min
